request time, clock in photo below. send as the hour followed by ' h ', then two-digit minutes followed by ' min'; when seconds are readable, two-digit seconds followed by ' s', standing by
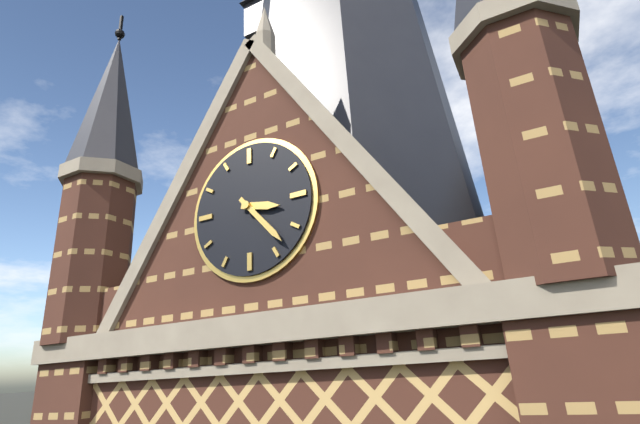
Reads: 3 h 23 min
